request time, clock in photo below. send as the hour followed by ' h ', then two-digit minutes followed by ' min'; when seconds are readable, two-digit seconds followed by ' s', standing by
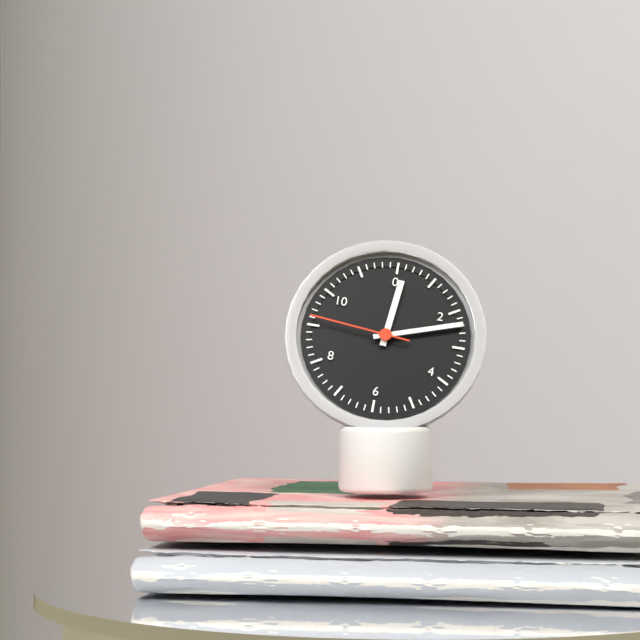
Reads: 12 h 12 min 46 s
